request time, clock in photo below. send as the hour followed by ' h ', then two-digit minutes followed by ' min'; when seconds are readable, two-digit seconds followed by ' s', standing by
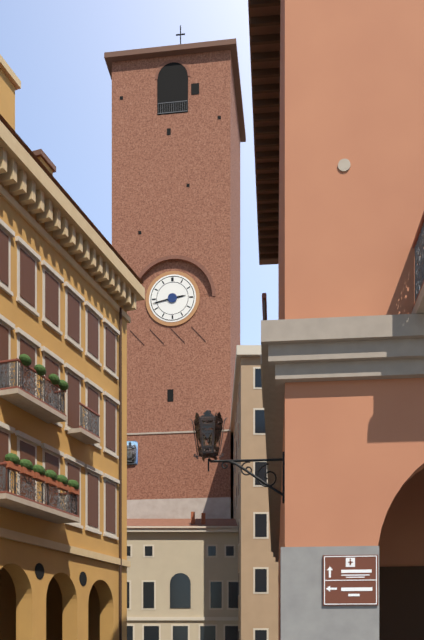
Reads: 2 h 43 min
